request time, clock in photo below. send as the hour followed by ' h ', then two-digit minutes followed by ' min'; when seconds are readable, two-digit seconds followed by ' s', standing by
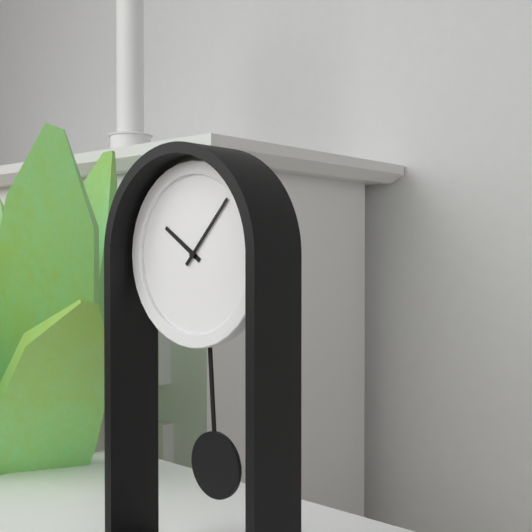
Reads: 10 h 07 min
